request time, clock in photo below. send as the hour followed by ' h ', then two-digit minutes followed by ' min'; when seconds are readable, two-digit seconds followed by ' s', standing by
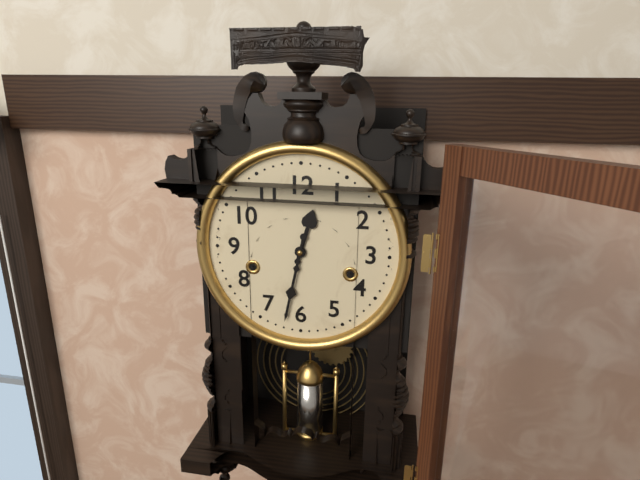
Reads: 12 h 32 min
